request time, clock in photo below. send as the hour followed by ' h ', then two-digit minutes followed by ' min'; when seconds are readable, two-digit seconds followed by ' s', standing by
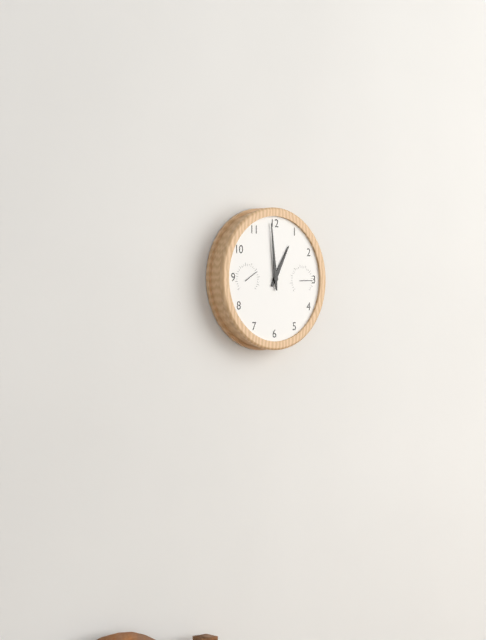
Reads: 12 h 59 min
